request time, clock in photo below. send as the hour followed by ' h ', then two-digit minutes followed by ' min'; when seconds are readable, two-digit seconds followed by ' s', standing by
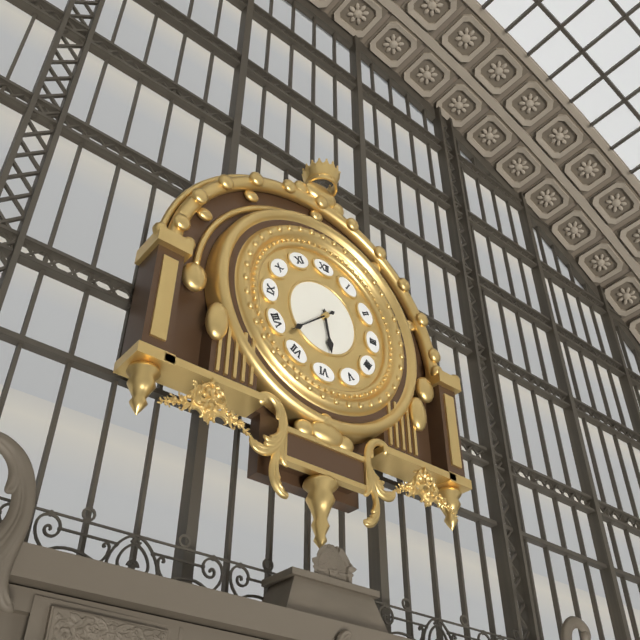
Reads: 5 h 38 min
